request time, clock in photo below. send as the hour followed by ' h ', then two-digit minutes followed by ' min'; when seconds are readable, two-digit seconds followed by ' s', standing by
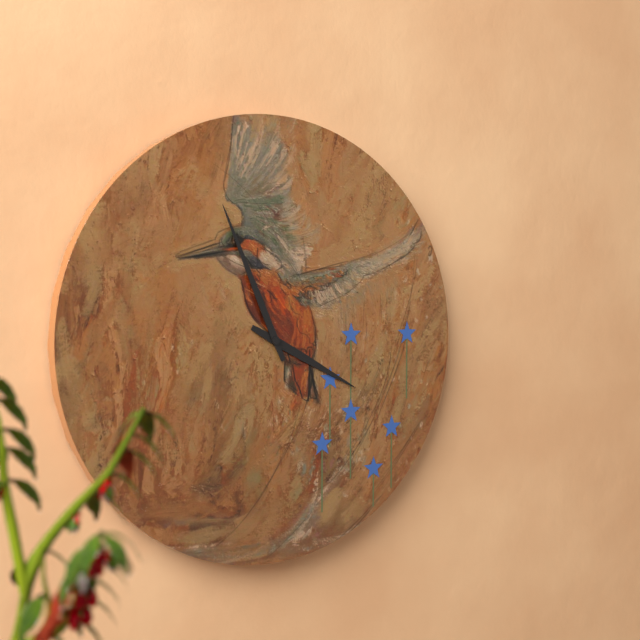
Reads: 3 h 56 min
